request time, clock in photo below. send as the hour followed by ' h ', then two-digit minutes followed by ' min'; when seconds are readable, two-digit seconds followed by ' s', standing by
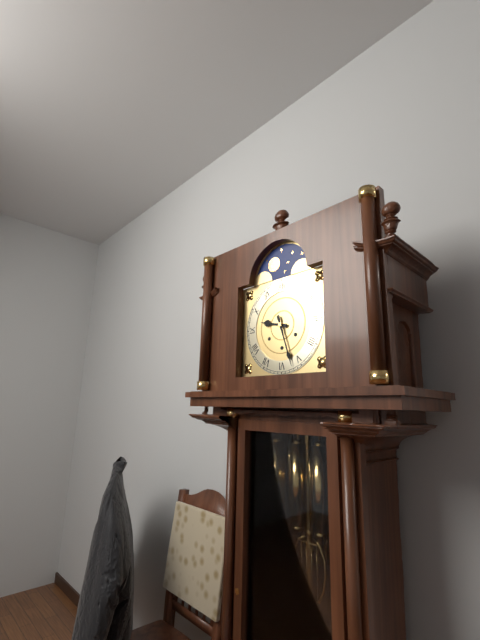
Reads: 9 h 27 min
